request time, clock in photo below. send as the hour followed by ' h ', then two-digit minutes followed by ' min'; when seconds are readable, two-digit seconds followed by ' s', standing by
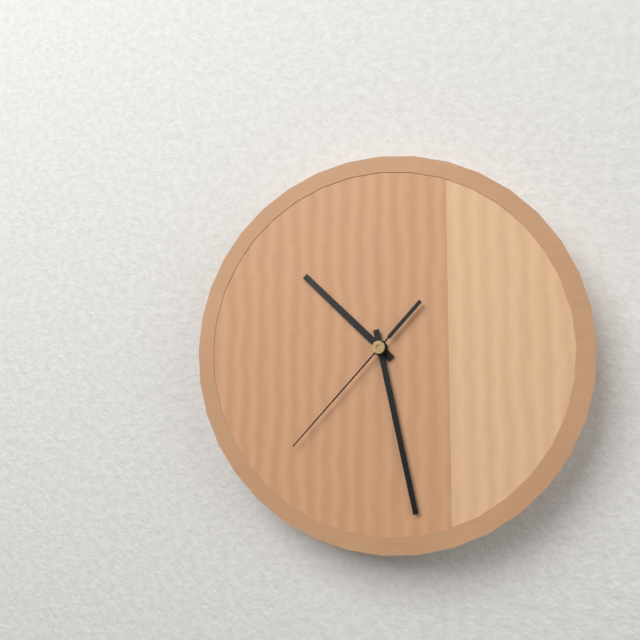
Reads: 10 h 28 min 37 s
